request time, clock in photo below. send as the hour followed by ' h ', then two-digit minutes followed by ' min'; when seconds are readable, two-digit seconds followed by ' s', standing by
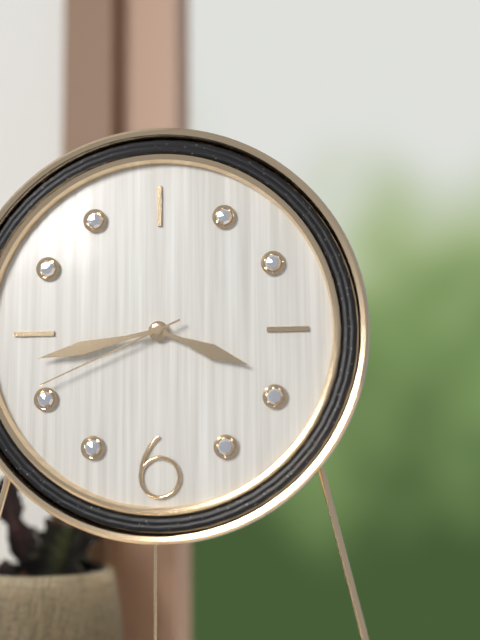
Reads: 3 h 43 min 41 s
